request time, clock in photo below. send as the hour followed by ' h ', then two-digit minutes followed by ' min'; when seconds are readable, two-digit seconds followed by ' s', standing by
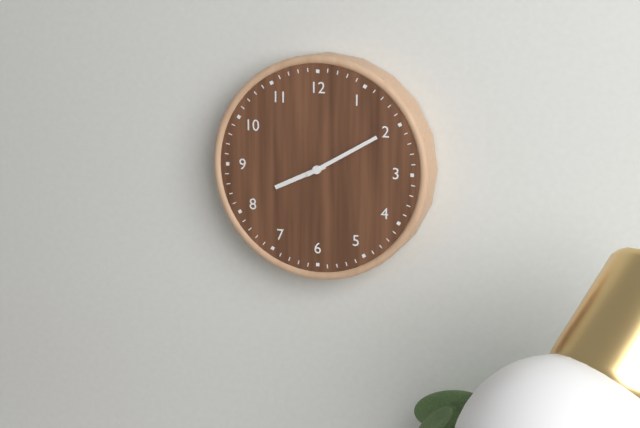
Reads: 8 h 10 min
